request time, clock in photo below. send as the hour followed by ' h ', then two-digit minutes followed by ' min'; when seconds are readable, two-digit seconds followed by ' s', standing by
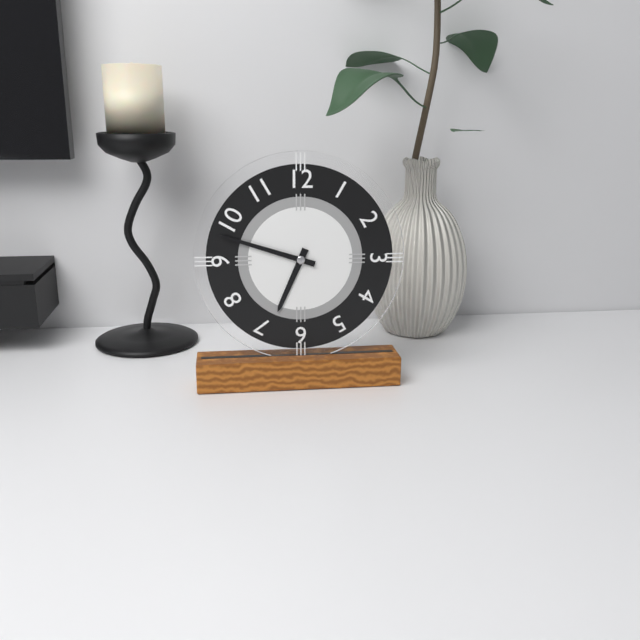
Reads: 6 h 48 min
